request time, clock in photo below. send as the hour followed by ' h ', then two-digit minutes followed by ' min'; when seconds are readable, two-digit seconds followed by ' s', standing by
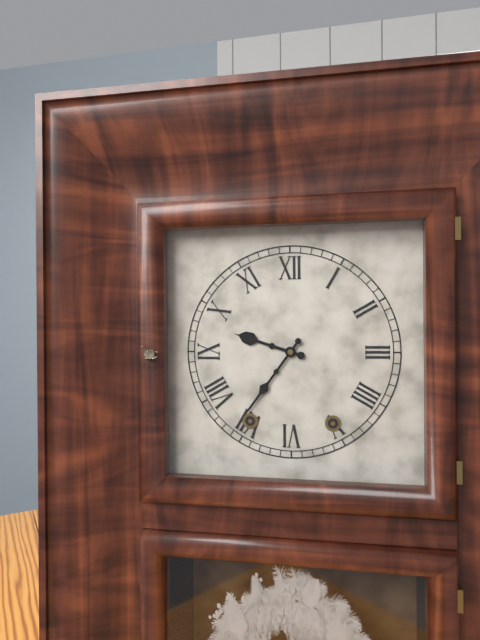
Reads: 9 h 36 min
